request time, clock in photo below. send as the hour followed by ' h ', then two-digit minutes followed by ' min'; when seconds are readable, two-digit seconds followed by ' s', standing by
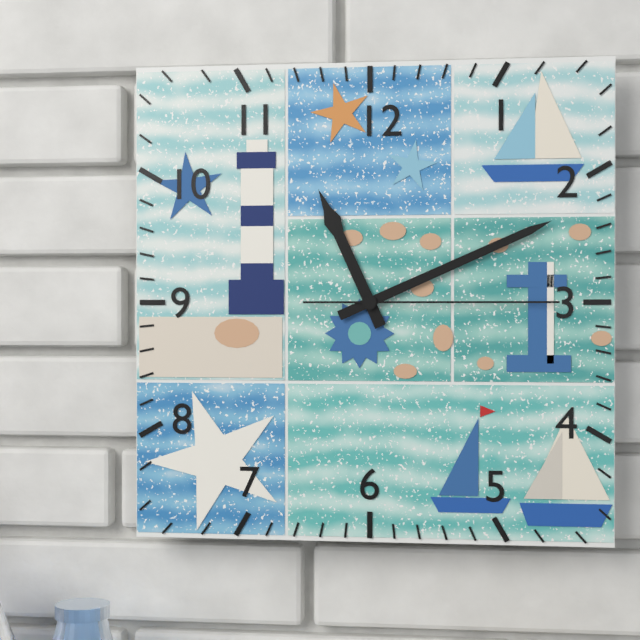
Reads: 11 h 11 min 15 s
